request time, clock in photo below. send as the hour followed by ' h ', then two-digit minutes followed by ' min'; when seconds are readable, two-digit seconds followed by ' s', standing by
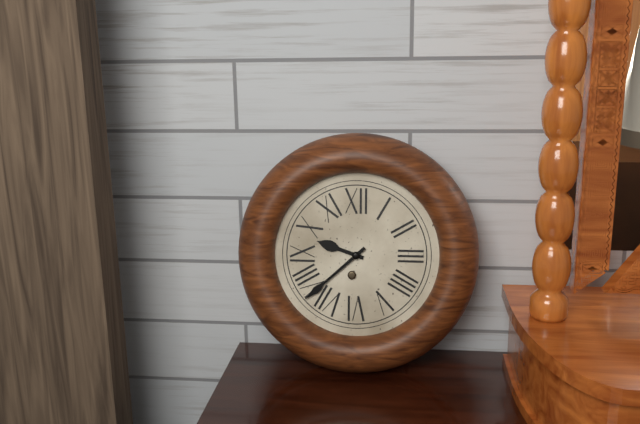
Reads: 9 h 38 min
